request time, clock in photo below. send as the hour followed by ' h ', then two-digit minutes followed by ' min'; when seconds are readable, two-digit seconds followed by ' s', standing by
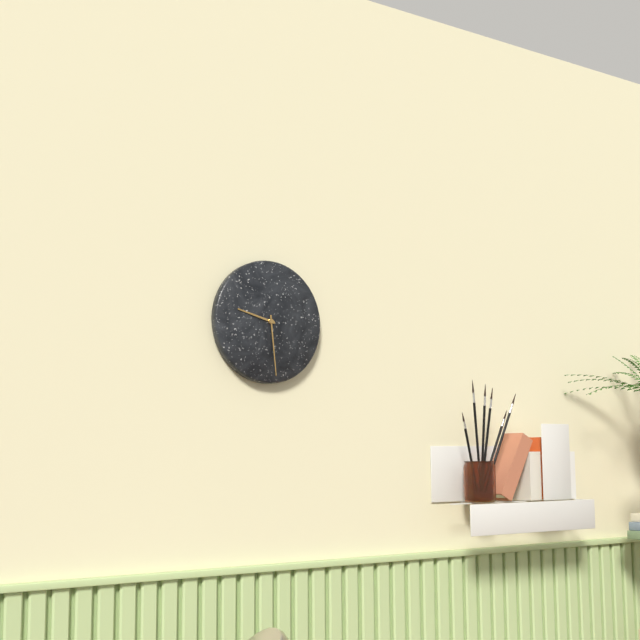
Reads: 9 h 29 min
